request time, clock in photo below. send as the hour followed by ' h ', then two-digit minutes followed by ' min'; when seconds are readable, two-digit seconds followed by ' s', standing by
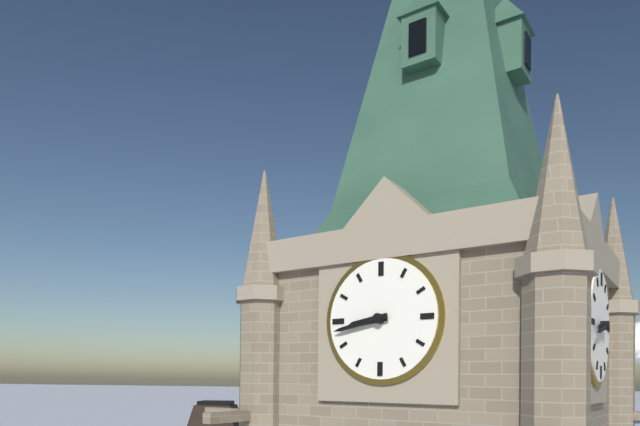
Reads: 8 h 43 min
